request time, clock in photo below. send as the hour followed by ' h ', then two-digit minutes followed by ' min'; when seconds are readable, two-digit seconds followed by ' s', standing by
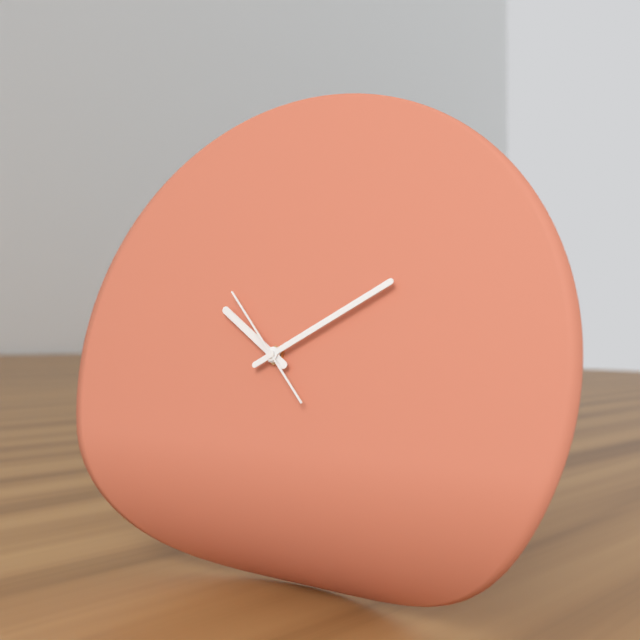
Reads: 10 h 10 min 53 s
